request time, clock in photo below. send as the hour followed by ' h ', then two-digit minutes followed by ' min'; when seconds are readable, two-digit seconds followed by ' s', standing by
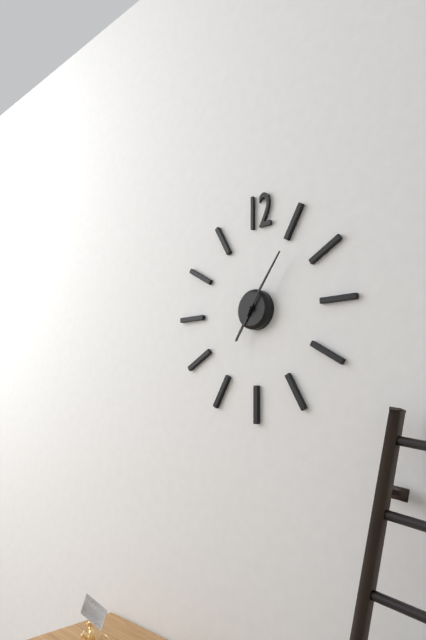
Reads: 7 h 06 min
